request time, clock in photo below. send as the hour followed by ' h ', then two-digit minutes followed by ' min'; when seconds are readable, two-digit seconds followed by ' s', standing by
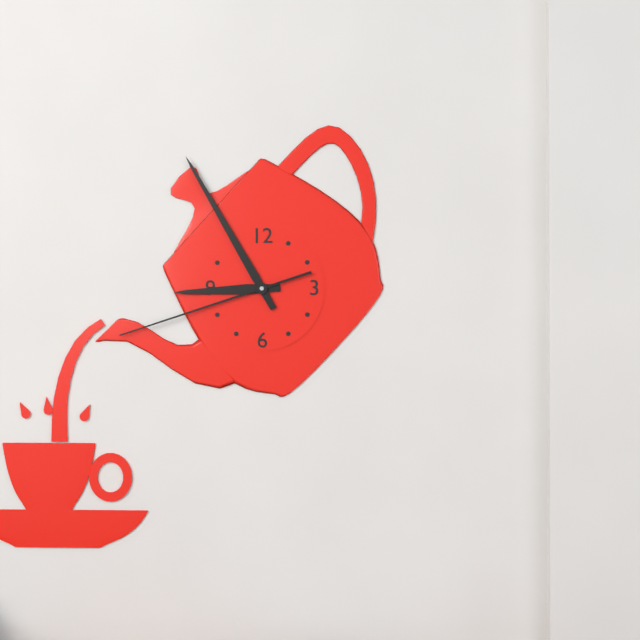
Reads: 8 h 55 min 42 s
